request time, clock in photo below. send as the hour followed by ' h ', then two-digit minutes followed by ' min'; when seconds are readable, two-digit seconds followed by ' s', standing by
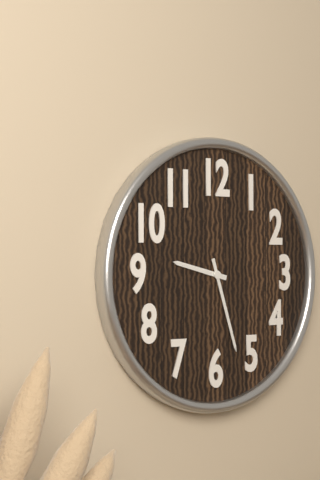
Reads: 9 h 27 min
